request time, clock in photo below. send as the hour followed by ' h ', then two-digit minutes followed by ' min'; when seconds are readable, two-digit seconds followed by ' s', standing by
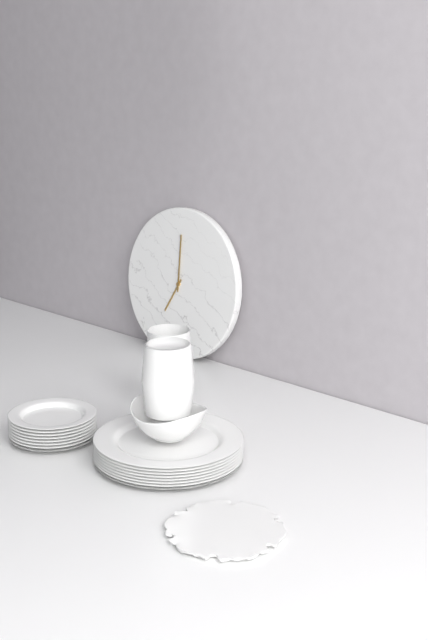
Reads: 7 h 00 min
